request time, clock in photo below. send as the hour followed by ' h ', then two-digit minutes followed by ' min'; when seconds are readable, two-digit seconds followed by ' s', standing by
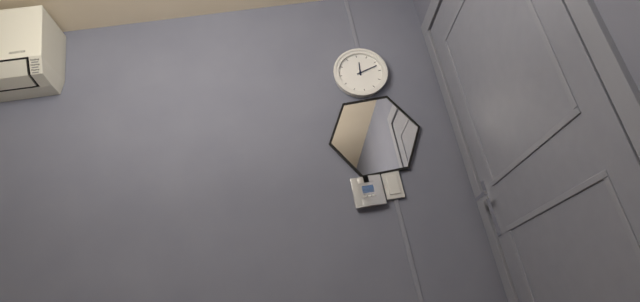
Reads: 12 h 12 min
